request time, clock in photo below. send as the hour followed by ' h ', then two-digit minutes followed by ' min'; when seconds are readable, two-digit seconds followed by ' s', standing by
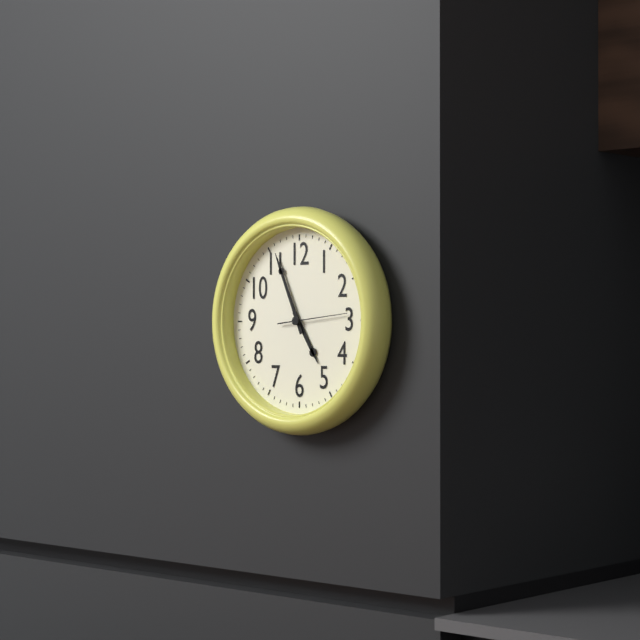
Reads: 4 h 56 min
